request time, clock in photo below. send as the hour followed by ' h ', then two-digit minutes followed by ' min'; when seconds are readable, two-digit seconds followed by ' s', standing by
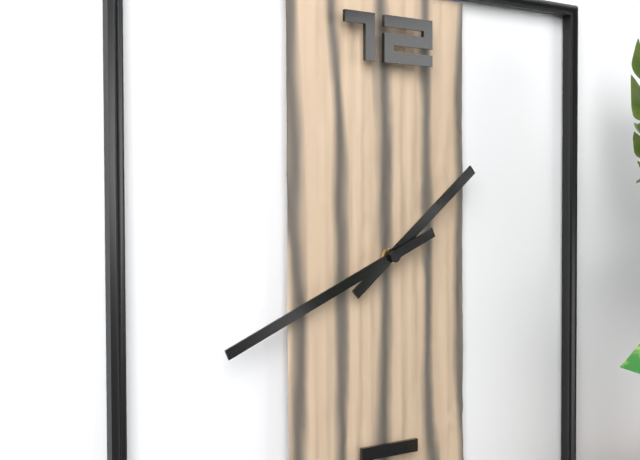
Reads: 1 h 41 min
